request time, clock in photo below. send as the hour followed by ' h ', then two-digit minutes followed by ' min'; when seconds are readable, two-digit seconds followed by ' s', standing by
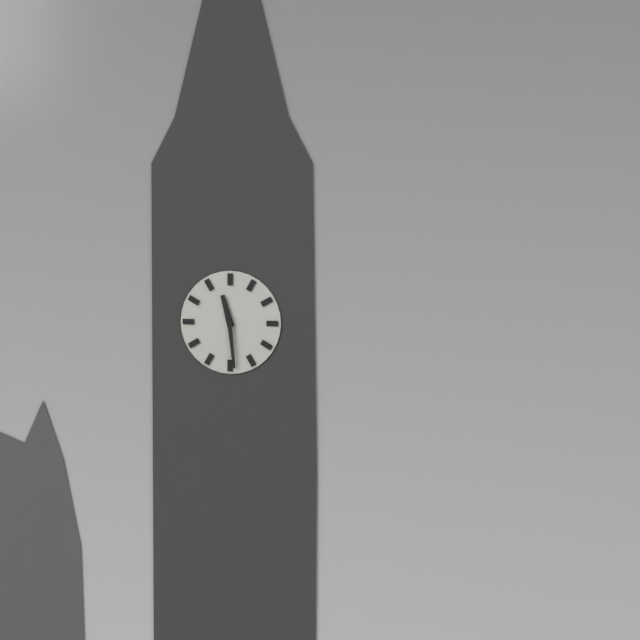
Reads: 11 h 29 min
